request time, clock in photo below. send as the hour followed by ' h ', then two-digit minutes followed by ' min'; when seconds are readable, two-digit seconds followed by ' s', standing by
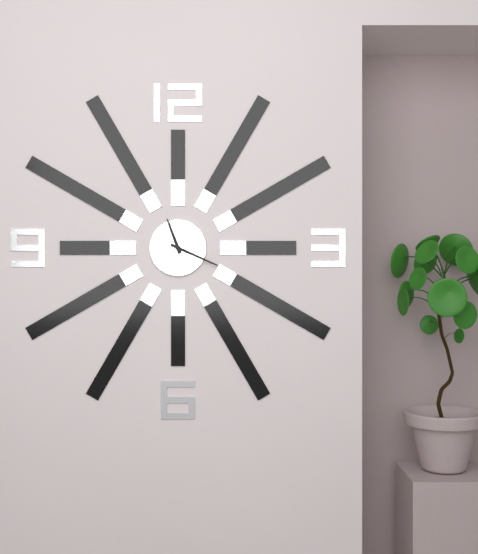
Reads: 11 h 19 min
